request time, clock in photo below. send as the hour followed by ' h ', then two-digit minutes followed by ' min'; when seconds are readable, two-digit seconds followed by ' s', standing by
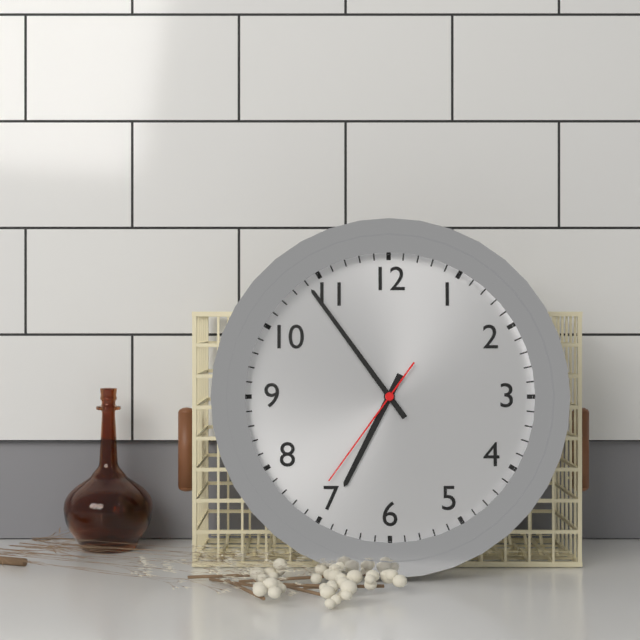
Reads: 6 h 54 min 36 s
